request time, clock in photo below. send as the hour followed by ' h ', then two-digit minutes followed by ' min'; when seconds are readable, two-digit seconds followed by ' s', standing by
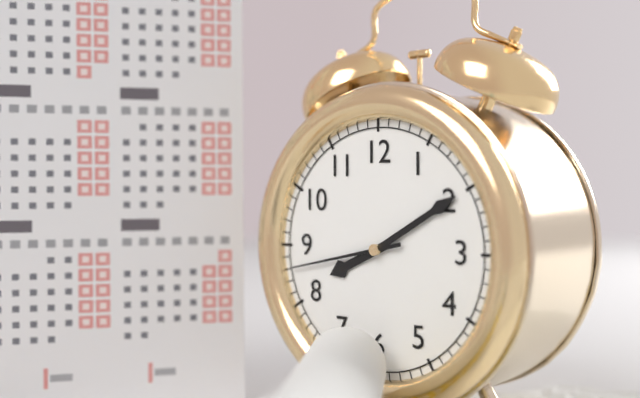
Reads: 8 h 10 min 43 s
